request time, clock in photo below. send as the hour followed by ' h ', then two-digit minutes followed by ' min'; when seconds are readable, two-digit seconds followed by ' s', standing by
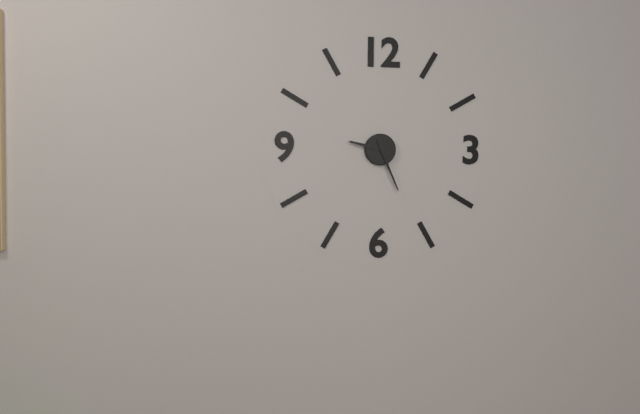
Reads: 9 h 26 min
